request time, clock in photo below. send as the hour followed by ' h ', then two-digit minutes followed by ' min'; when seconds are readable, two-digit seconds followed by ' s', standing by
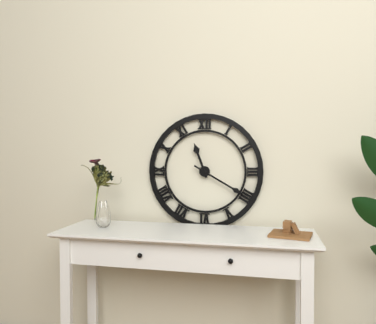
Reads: 11 h 20 min
